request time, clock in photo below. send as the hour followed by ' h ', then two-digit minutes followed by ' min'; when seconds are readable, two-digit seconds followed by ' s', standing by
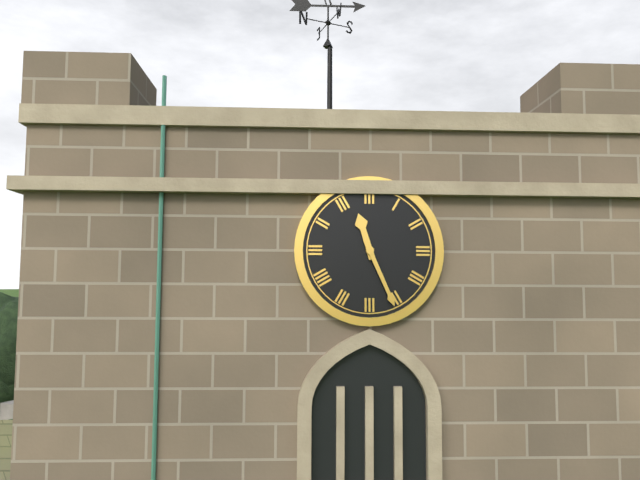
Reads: 11 h 26 min
